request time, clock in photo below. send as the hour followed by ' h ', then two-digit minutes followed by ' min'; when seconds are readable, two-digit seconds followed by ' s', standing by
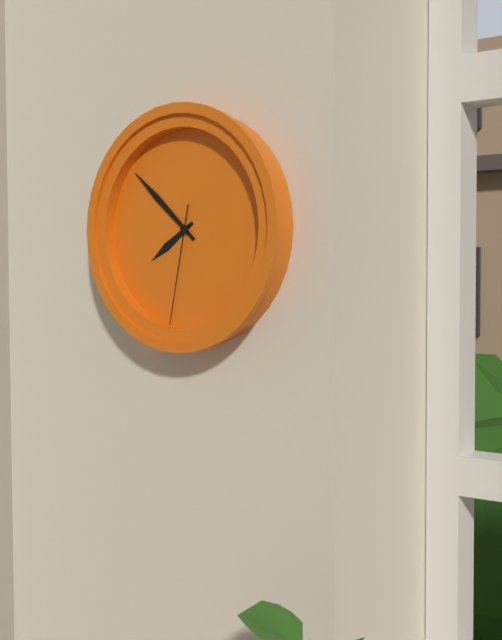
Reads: 7 h 52 min 32 s
